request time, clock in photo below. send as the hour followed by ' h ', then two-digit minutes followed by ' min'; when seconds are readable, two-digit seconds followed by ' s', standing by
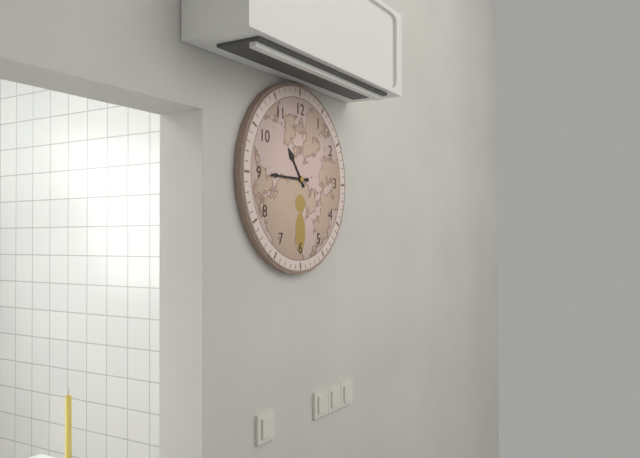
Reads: 10 h 45 min
